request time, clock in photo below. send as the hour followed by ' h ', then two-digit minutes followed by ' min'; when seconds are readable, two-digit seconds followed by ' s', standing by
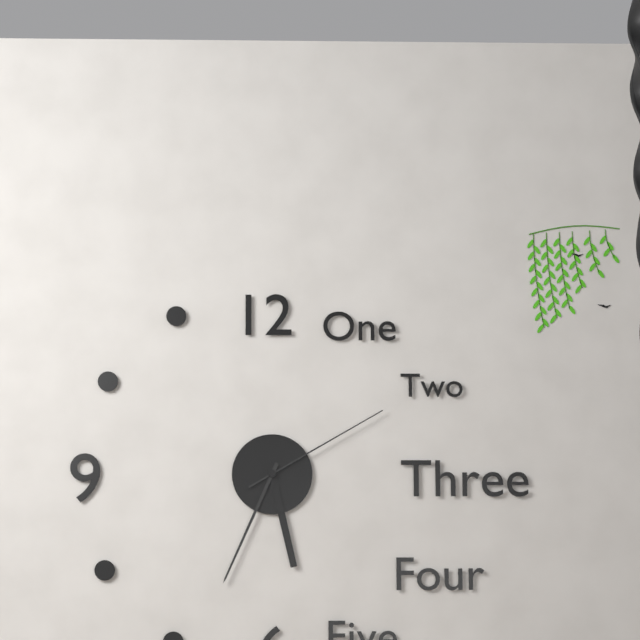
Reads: 5 h 34 min 10 s
